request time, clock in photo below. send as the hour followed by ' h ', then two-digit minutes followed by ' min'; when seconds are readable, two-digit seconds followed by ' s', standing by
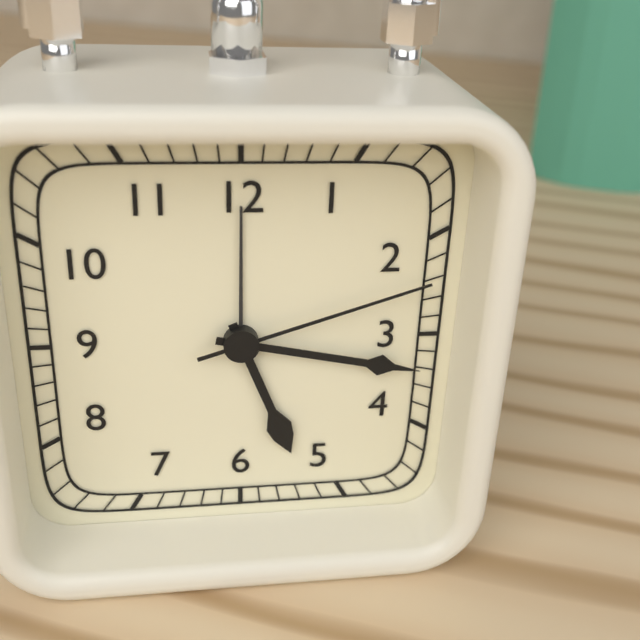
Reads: 5 h 17 min 12 s
